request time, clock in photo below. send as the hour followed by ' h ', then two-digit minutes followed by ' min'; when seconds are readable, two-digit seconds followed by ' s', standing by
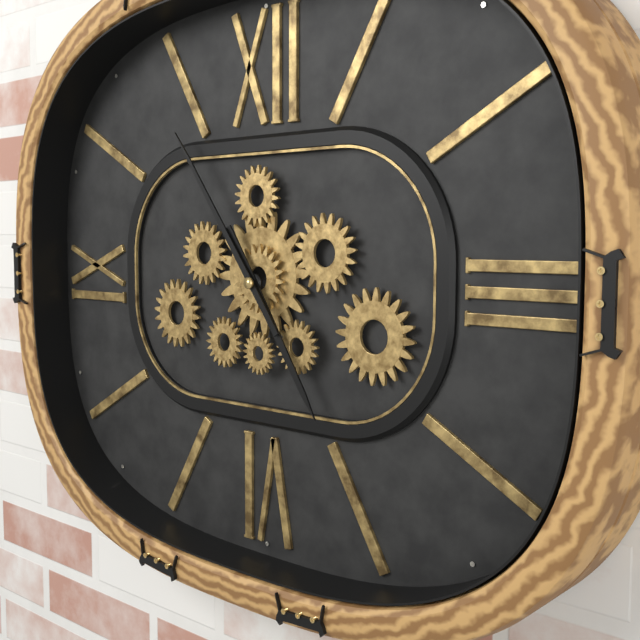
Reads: 4 h 54 min
